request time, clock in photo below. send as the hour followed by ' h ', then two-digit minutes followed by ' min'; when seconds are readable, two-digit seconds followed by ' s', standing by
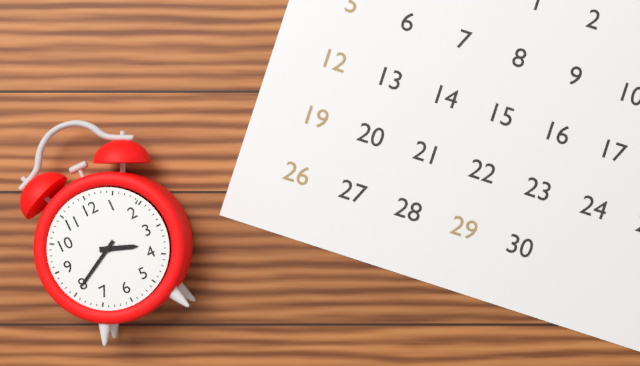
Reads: 3 h 40 min
